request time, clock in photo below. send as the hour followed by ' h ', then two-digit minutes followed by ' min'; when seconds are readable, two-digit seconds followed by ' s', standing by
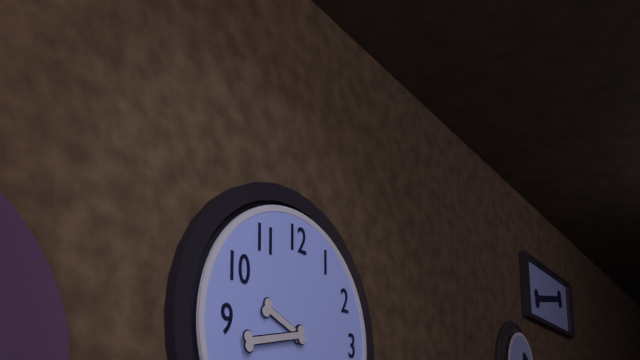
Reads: 9 h 43 min
